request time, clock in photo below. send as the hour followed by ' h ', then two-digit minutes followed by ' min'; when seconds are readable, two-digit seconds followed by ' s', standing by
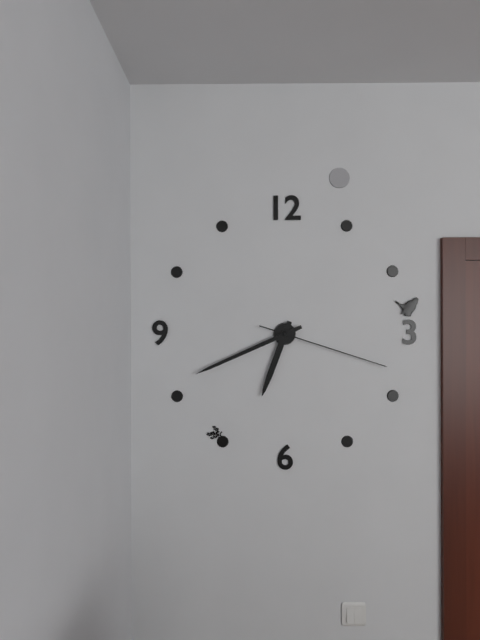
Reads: 6 h 41 min 18 s
